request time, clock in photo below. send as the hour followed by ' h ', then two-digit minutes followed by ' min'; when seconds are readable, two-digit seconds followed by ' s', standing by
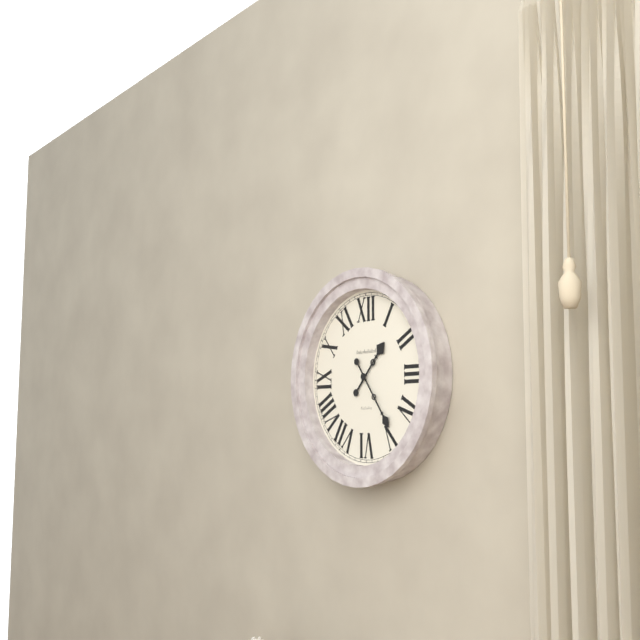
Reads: 1 h 24 min
